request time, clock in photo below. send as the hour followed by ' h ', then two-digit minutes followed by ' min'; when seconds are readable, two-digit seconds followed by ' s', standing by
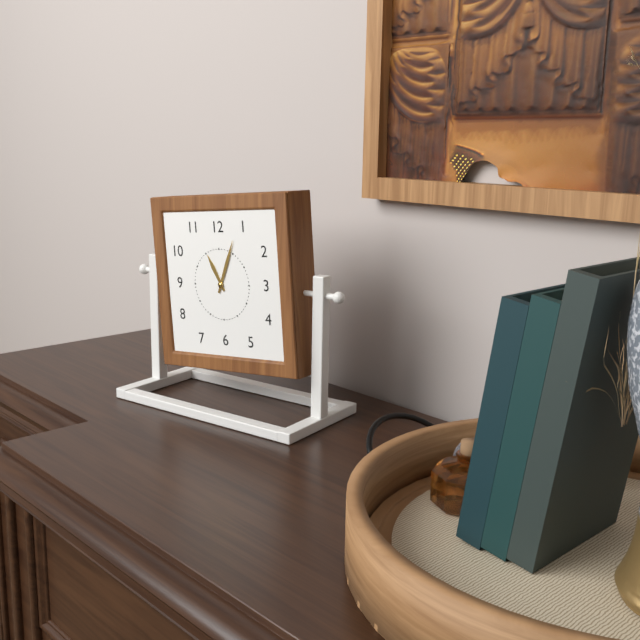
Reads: 11 h 04 min
